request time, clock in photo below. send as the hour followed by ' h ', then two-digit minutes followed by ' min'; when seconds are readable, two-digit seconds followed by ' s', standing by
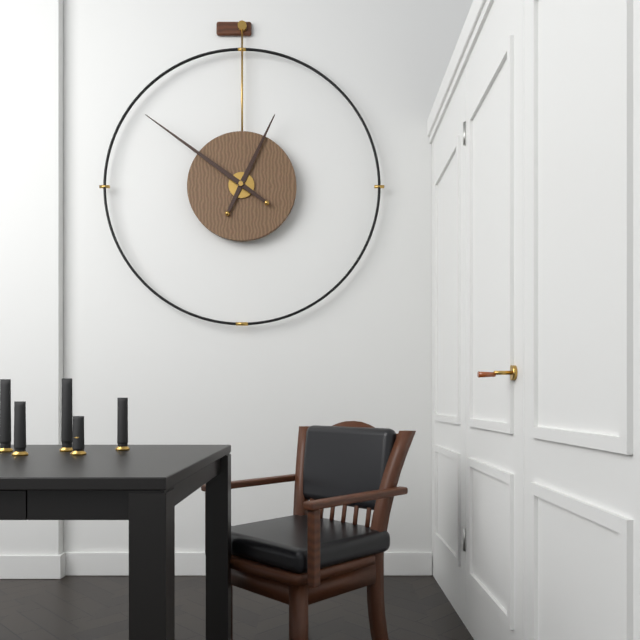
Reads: 12 h 51 min
